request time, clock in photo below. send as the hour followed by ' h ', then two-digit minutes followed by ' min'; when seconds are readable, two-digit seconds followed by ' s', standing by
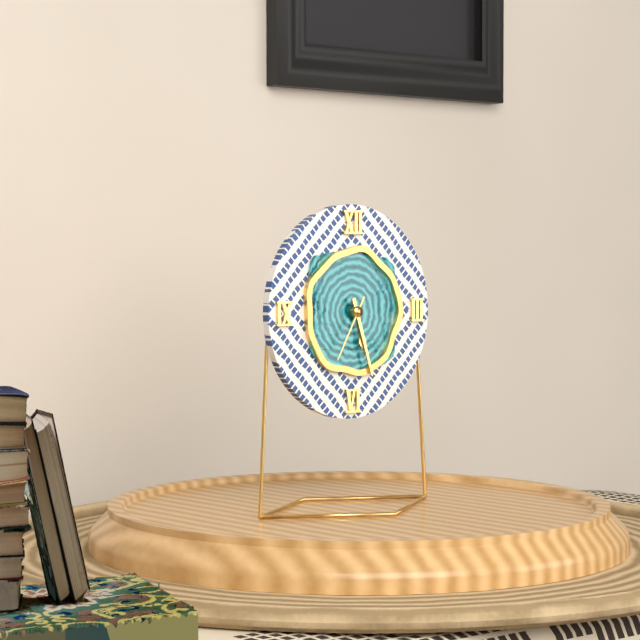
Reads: 5 h 27 min 35 s
